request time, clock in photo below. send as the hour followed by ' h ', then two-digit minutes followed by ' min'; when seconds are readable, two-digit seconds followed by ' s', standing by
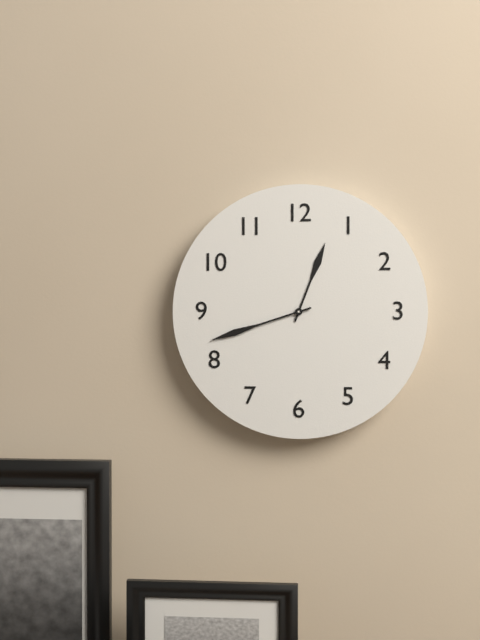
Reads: 12 h 42 min
